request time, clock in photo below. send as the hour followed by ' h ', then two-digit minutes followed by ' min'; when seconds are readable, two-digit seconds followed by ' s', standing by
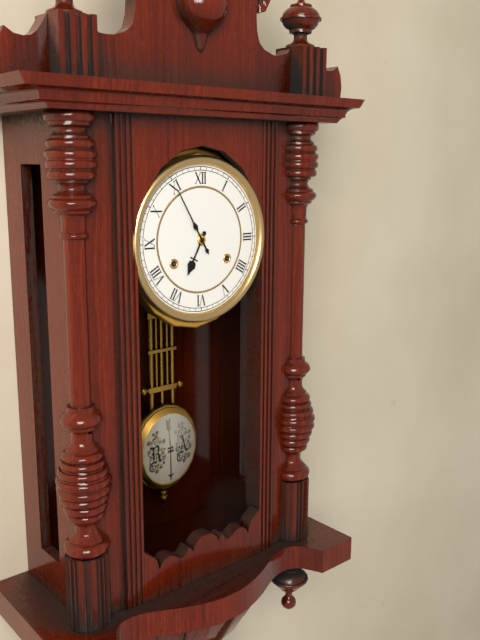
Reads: 6 h 55 min
